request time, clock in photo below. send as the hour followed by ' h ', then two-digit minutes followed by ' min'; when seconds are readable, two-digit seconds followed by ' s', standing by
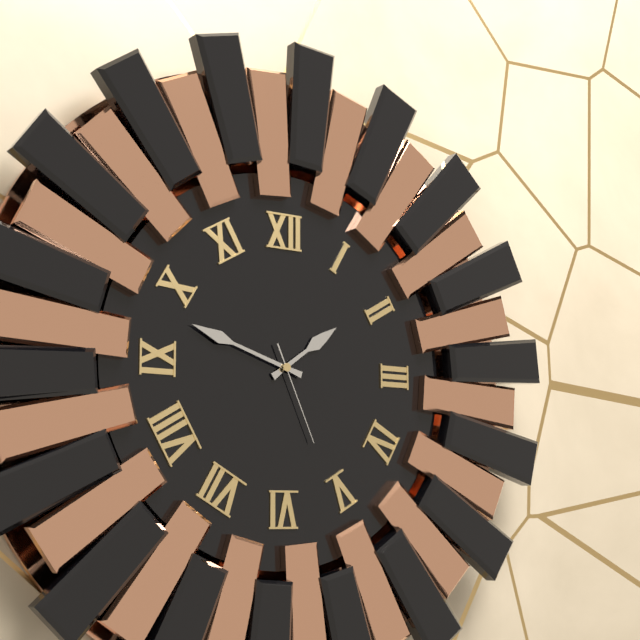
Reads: 1 h 48 min 26 s
